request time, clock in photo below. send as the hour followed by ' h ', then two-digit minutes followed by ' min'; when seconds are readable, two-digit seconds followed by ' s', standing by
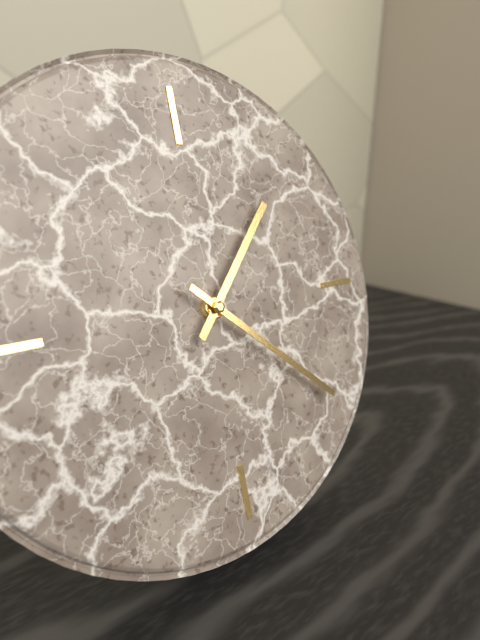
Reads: 1 h 22 min
